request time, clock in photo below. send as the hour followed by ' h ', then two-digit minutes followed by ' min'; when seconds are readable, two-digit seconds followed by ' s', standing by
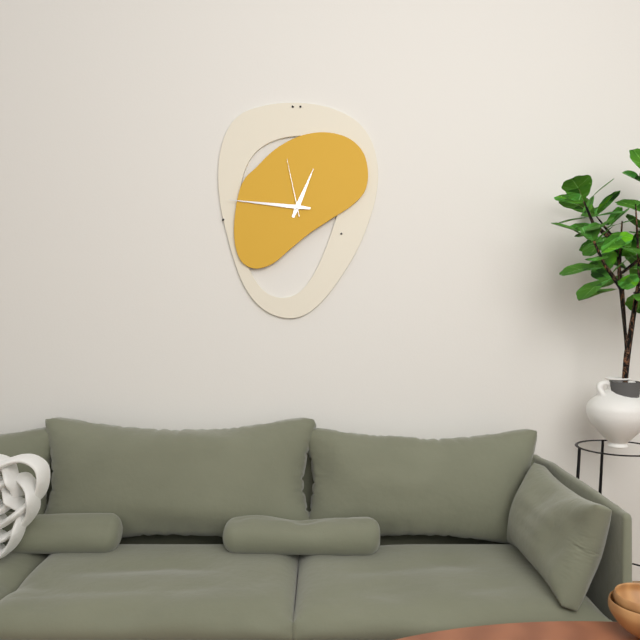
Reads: 12 h 46 min 58 s
